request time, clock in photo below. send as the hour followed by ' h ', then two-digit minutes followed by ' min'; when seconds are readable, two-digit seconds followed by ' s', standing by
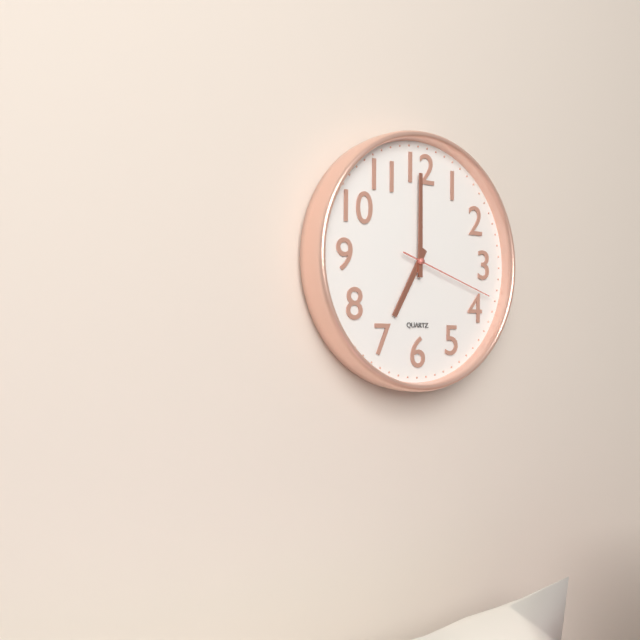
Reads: 7 h 00 min 18 s
